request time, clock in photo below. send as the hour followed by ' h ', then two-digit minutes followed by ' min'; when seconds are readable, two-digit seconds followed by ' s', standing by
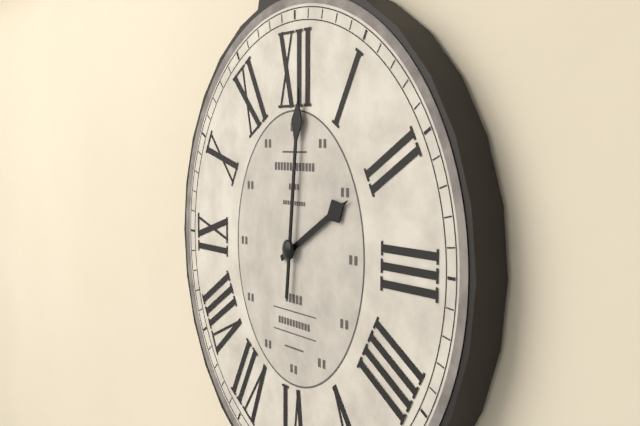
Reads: 2 h 01 min
